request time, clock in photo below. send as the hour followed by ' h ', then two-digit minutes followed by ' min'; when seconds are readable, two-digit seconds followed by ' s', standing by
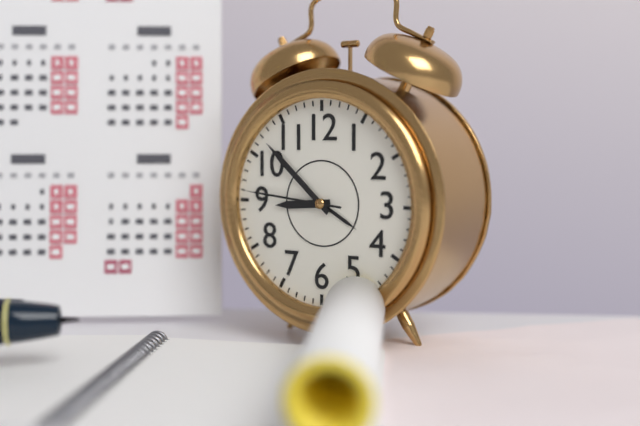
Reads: 8 h 52 min 46 s
